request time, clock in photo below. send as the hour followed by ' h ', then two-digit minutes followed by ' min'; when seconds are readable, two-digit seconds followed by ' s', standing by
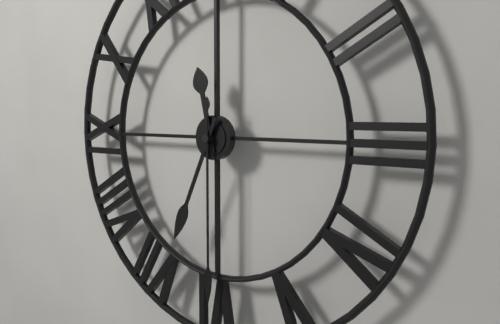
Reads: 11 h 34 min 30 s
